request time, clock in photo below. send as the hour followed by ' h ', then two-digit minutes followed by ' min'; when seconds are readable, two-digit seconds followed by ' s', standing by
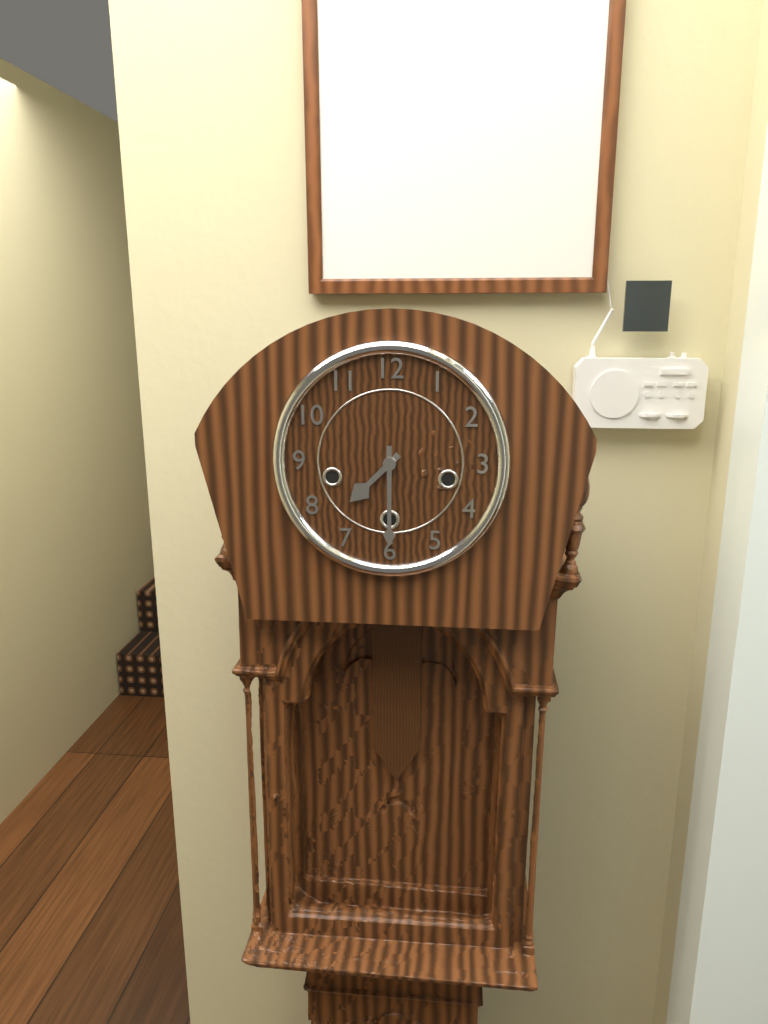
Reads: 7 h 30 min
